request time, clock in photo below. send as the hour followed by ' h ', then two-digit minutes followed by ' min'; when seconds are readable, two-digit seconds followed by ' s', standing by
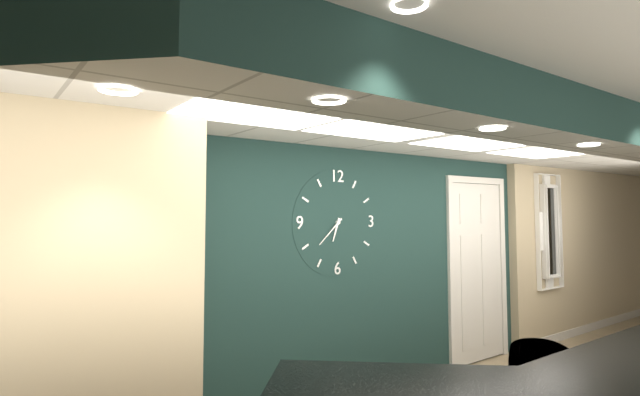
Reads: 6 h 38 min
